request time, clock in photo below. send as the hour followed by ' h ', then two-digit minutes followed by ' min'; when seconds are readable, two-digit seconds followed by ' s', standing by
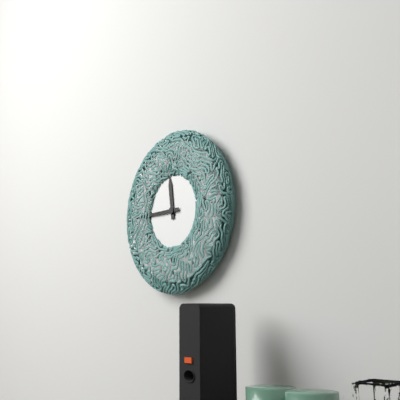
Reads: 11 h 45 min
